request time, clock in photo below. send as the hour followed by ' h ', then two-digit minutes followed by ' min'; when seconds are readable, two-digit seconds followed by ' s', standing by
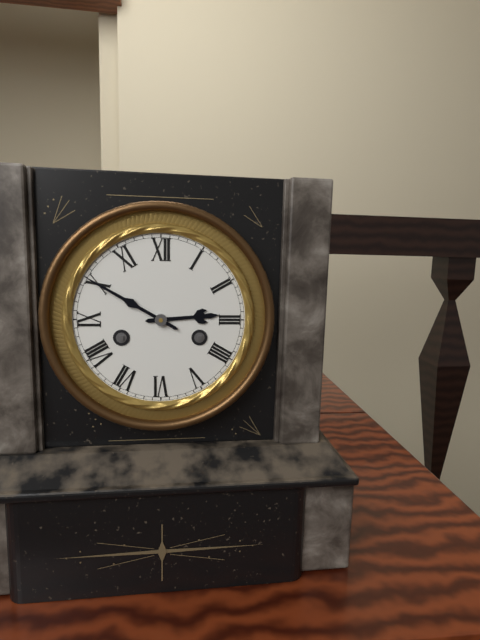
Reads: 2 h 50 min
